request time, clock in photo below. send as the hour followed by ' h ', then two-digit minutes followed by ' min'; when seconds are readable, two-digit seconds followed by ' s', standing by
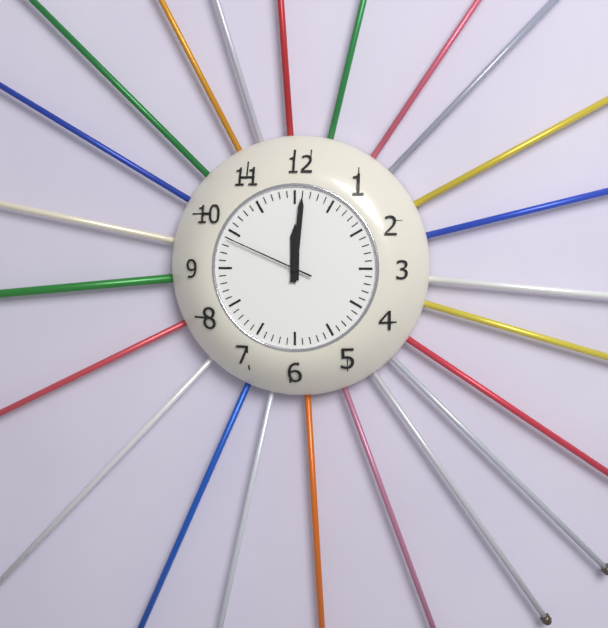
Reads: 12 h 01 min 49 s
